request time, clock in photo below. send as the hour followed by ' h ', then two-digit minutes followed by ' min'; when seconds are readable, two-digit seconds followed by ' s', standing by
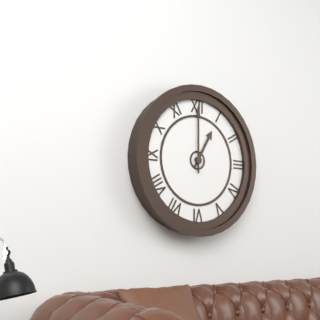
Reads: 1 h 00 min
